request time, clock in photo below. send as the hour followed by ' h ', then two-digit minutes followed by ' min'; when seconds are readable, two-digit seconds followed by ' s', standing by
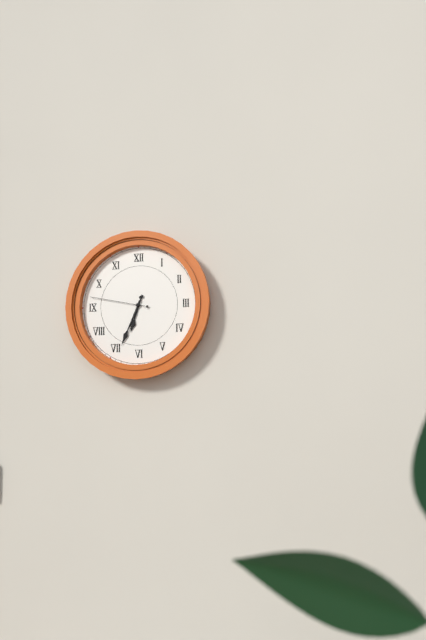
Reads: 6 h 34 min 47 s
